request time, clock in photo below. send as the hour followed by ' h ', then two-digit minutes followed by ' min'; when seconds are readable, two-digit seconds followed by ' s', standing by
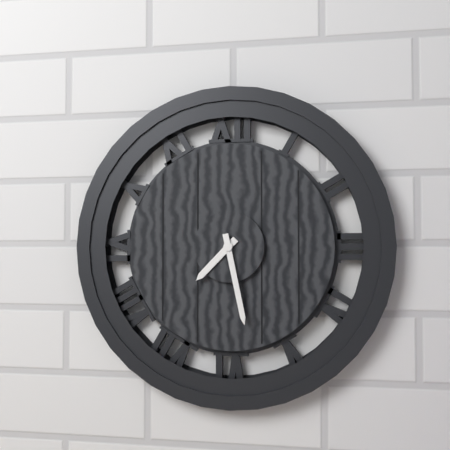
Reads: 7 h 28 min
